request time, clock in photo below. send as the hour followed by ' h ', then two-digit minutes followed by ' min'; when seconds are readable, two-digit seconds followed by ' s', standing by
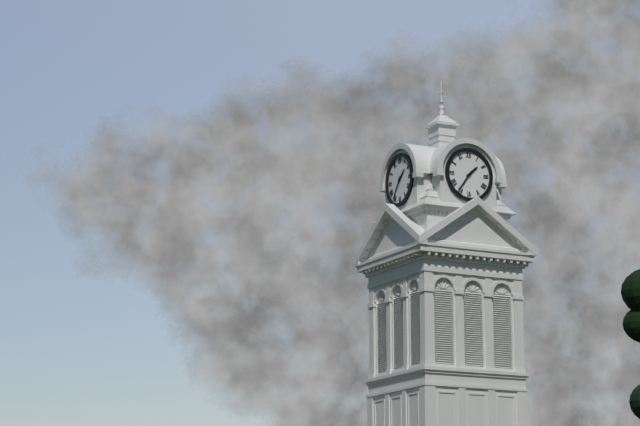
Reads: 1 h 36 min
